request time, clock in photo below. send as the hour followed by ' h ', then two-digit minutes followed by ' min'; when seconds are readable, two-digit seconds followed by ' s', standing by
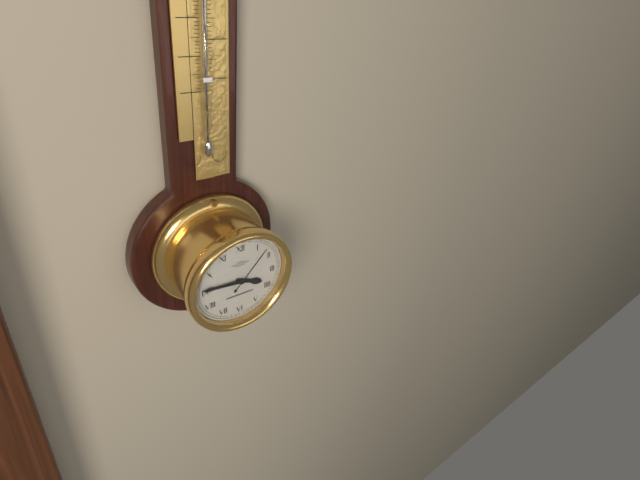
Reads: 3 h 46 min 07 s
